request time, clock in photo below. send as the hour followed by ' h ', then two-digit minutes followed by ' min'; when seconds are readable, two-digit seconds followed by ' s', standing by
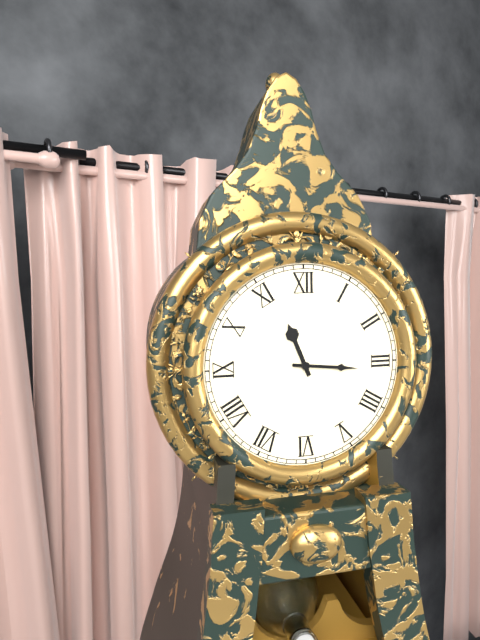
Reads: 11 h 16 min
